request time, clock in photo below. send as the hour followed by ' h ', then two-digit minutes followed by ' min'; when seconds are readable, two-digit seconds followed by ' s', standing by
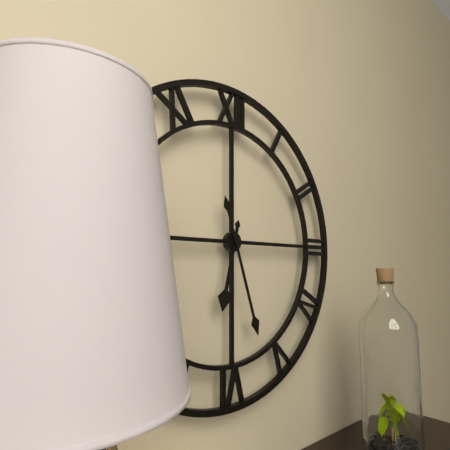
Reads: 6 h 27 min
